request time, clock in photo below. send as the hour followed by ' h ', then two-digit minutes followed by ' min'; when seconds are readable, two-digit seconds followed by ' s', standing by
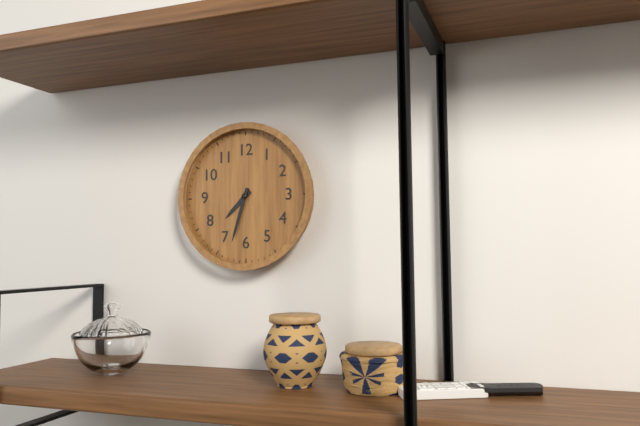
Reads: 7 h 33 min
